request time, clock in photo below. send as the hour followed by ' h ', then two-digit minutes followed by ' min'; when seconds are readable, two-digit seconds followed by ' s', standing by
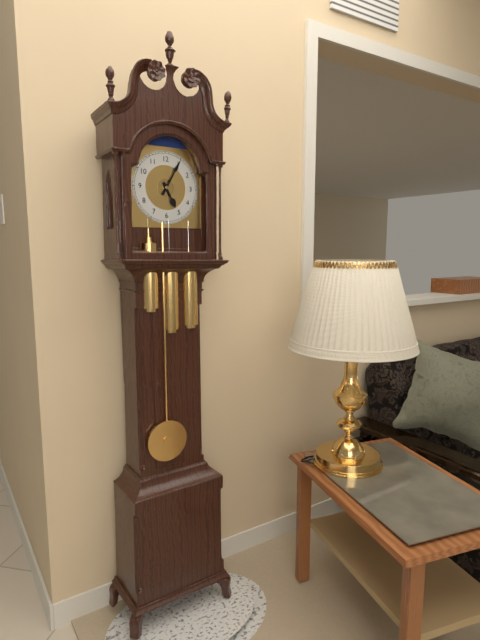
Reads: 5 h 05 min
